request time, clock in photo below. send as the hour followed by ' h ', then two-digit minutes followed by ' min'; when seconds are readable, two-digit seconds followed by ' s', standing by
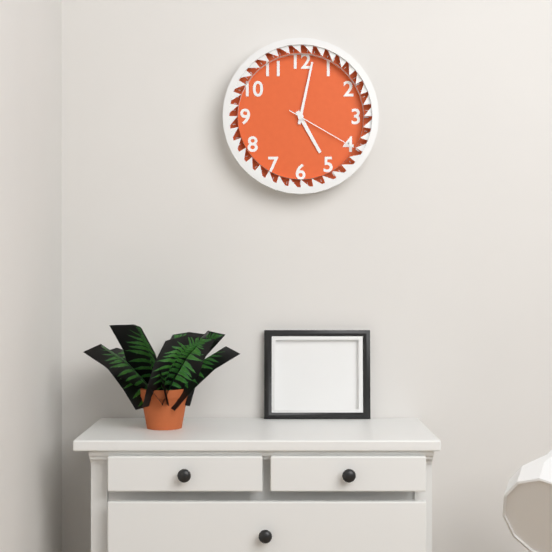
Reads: 5 h 02 min 20 s
